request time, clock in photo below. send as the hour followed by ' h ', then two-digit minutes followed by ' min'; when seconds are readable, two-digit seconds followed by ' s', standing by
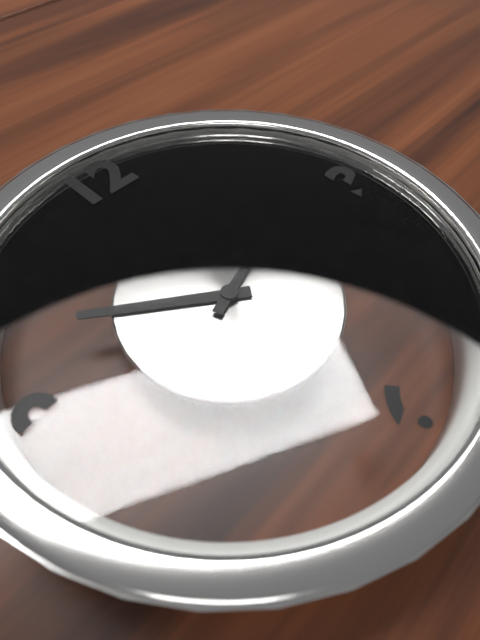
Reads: 10 h 12 min
